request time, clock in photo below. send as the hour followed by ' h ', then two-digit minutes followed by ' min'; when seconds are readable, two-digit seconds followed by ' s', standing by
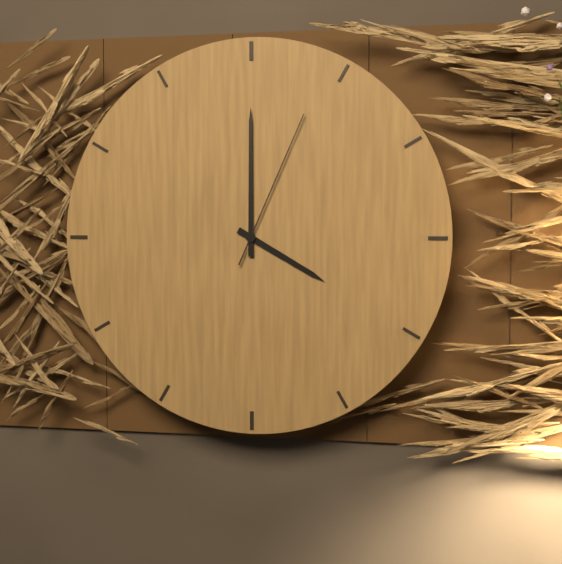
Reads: 4 h 00 min 04 s
